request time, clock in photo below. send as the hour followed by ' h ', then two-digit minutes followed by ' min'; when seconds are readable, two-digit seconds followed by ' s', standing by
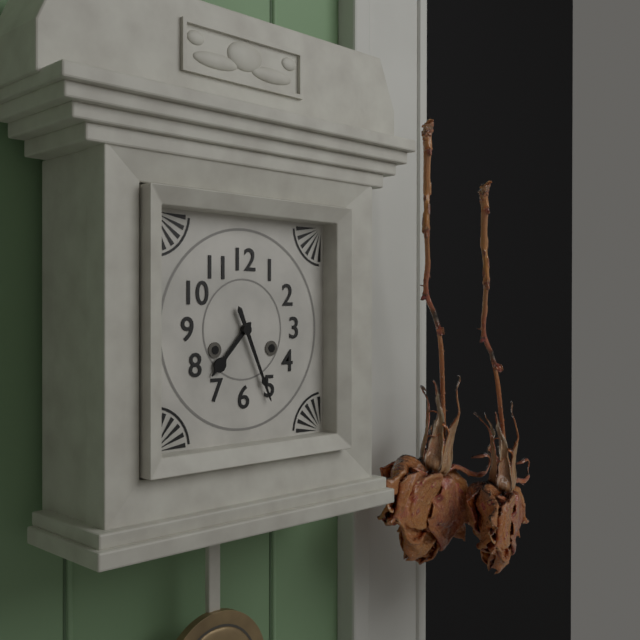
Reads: 7 h 26 min
